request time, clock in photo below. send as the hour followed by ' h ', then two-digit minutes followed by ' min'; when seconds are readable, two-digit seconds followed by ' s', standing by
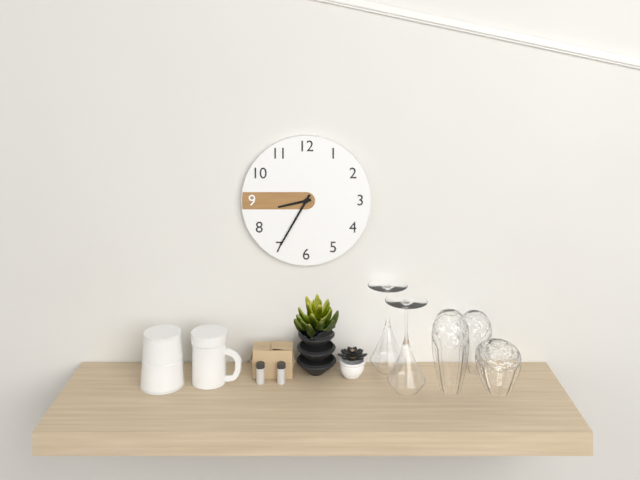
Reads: 8 h 35 min
